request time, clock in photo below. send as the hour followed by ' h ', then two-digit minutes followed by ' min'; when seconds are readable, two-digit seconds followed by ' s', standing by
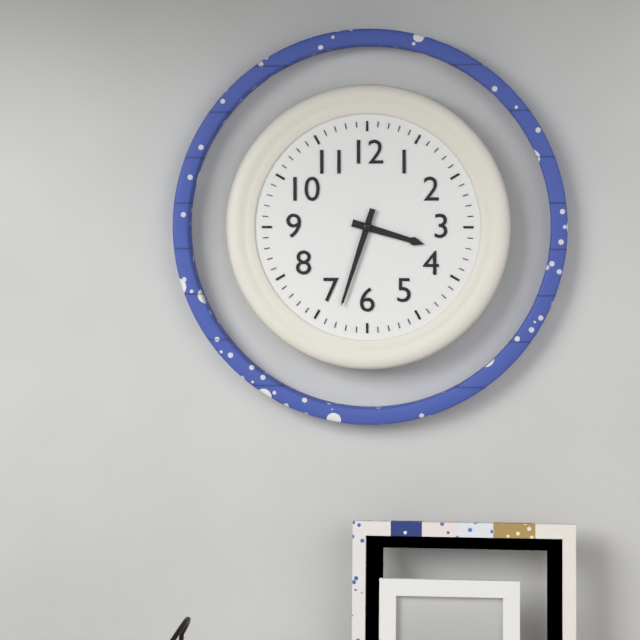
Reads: 3 h 33 min
